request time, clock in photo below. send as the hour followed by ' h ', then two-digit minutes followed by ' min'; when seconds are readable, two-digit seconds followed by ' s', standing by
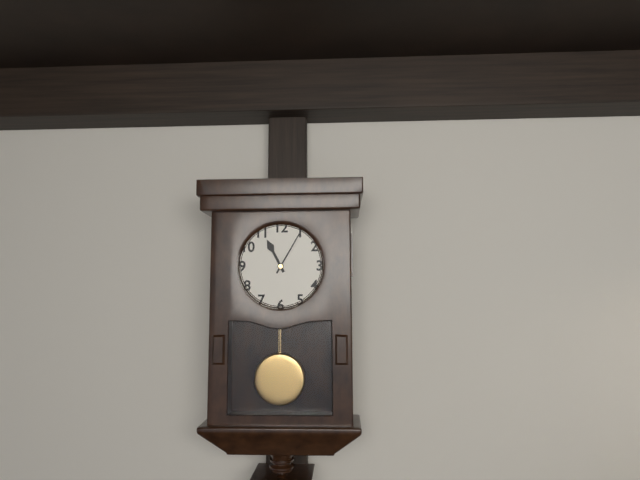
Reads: 11 h 05 min
